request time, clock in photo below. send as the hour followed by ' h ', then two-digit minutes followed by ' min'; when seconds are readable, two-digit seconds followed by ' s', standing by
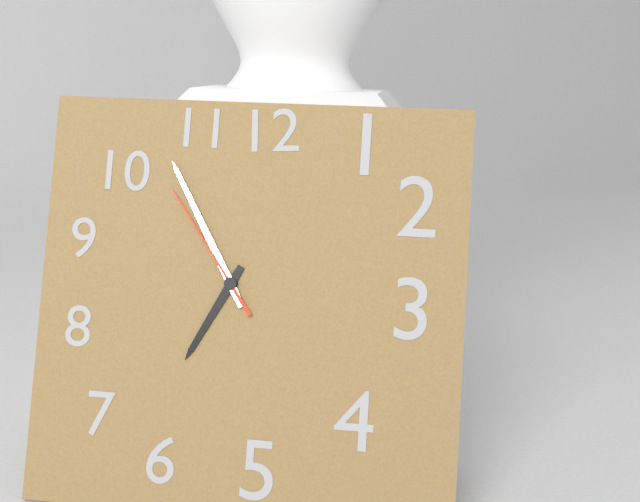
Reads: 6 h 55 min 54 s
